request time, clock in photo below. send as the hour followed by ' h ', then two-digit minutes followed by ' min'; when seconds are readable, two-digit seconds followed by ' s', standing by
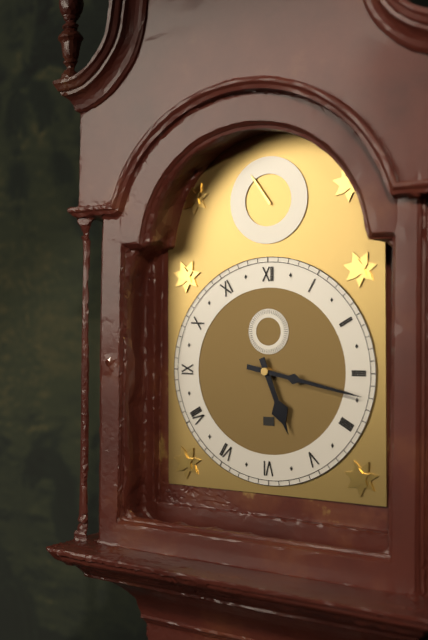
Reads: 5 h 17 min
